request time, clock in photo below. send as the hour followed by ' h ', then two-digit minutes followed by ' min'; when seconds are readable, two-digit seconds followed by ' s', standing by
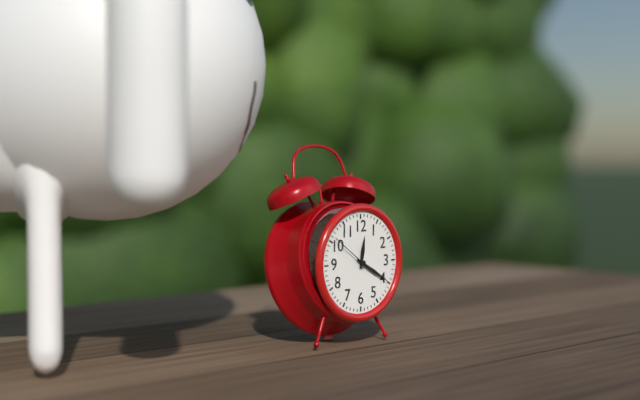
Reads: 12 h 20 min
